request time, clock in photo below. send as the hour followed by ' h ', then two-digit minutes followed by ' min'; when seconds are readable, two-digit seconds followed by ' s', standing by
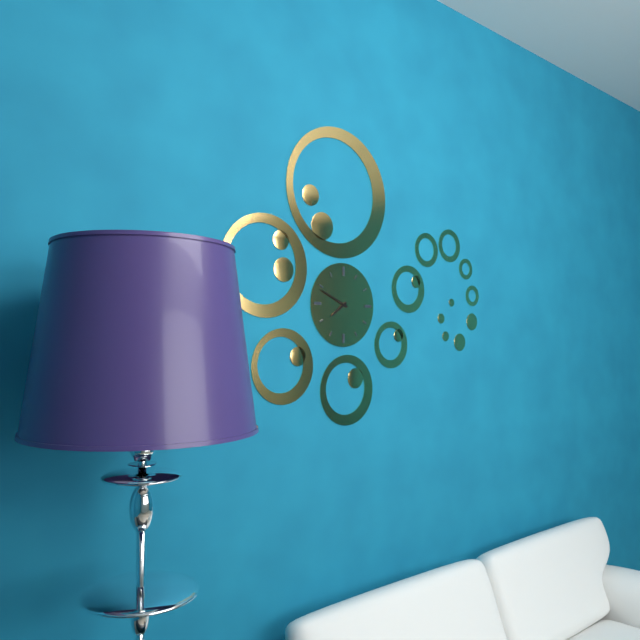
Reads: 7 h 49 min
